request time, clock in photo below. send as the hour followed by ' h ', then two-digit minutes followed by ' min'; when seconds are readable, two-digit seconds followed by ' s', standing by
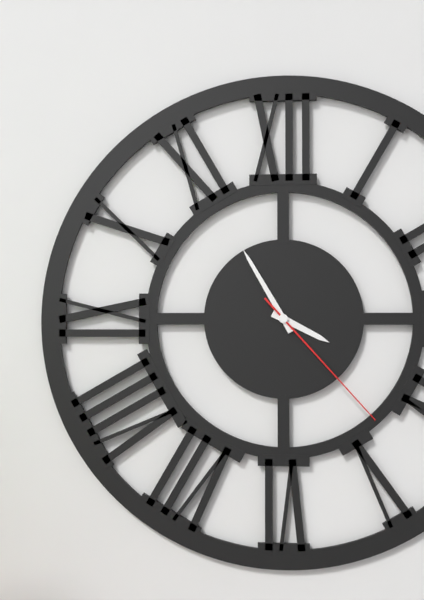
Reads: 3 h 55 min 23 s
